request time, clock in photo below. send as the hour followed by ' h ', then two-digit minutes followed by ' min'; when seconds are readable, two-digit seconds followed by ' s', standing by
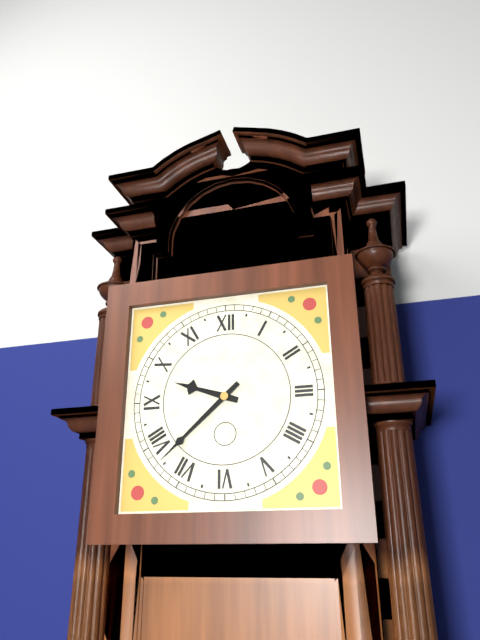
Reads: 9 h 38 min
